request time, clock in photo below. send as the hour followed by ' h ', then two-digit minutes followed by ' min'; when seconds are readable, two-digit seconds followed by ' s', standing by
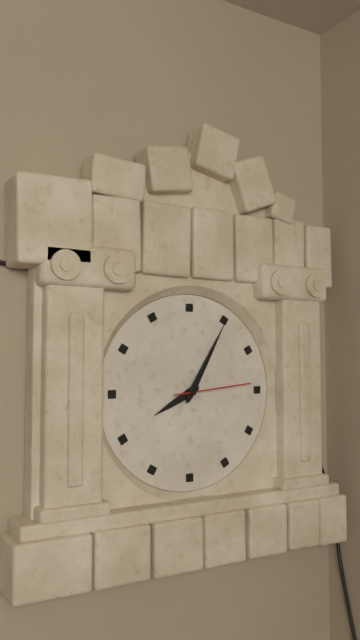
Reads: 8 h 05 min 14 s
